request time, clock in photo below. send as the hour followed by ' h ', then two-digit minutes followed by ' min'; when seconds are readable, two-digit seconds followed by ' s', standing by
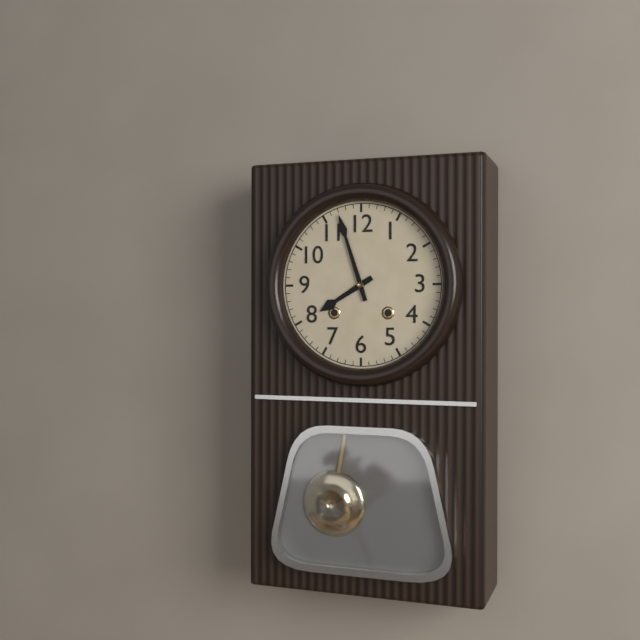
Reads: 7 h 57 min
